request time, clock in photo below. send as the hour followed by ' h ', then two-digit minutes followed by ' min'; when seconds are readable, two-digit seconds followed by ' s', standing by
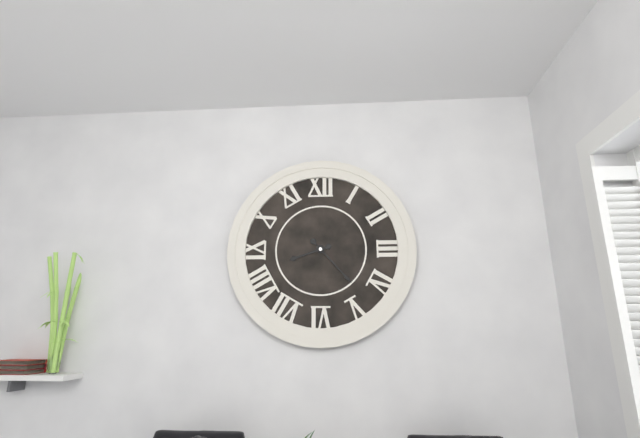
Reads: 8 h 23 min
